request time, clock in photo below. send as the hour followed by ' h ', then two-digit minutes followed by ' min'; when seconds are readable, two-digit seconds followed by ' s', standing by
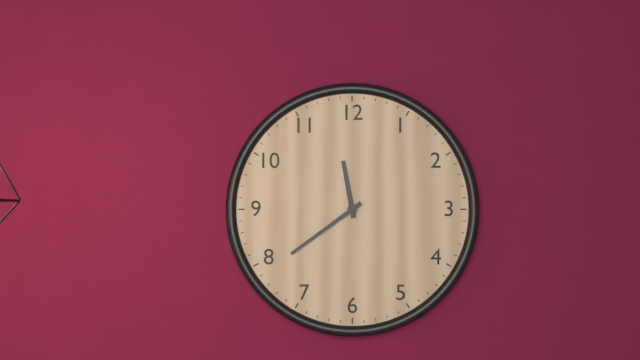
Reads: 11 h 39 min
